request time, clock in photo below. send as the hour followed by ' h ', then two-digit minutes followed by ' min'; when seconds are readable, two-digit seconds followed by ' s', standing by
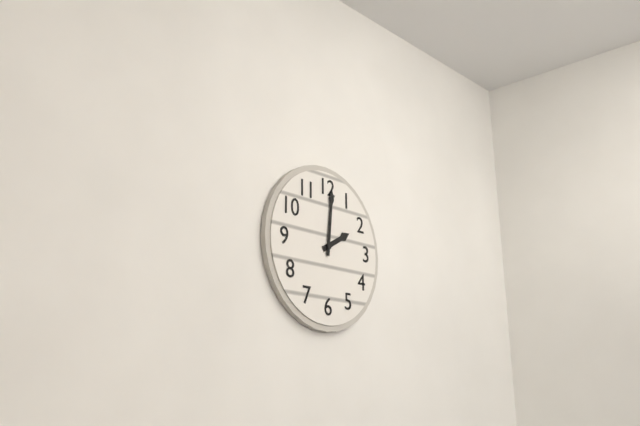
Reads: 2 h 01 min
